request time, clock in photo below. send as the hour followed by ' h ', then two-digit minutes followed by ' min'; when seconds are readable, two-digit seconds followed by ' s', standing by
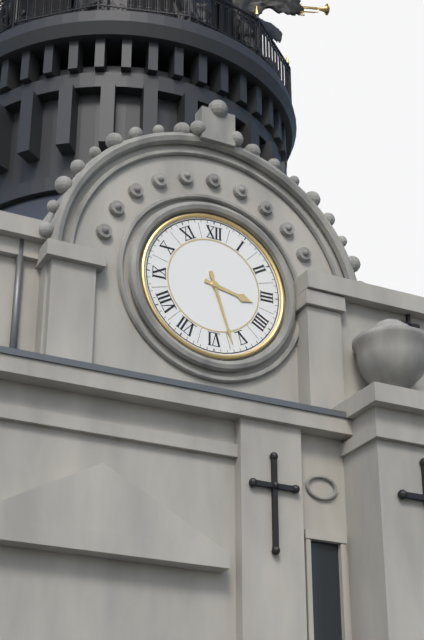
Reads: 3 h 27 min
